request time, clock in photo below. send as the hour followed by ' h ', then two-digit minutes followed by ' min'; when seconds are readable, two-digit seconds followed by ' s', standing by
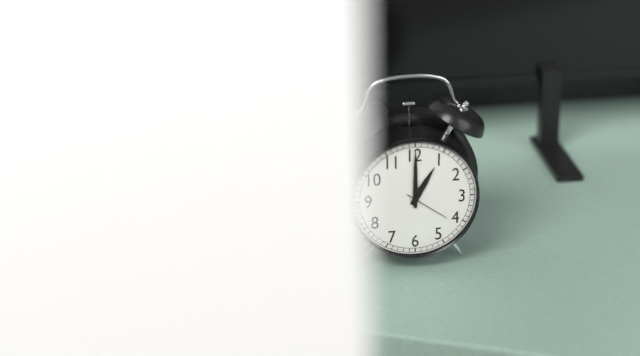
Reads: 1 h 00 min 21 s
